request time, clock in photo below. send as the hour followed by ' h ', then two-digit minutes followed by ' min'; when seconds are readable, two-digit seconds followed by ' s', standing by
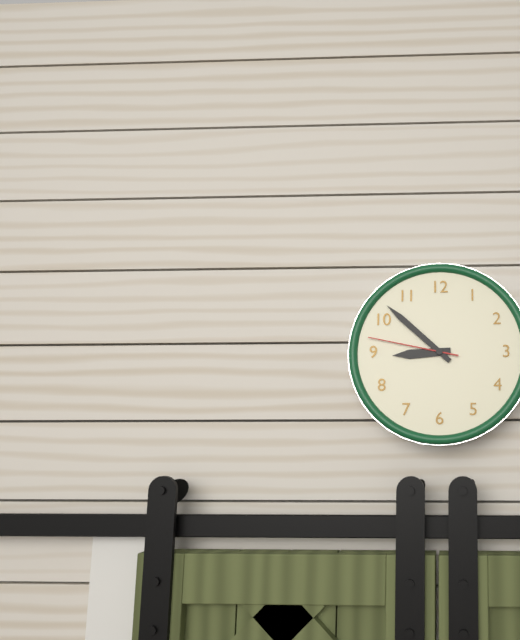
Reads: 8 h 52 min 47 s
